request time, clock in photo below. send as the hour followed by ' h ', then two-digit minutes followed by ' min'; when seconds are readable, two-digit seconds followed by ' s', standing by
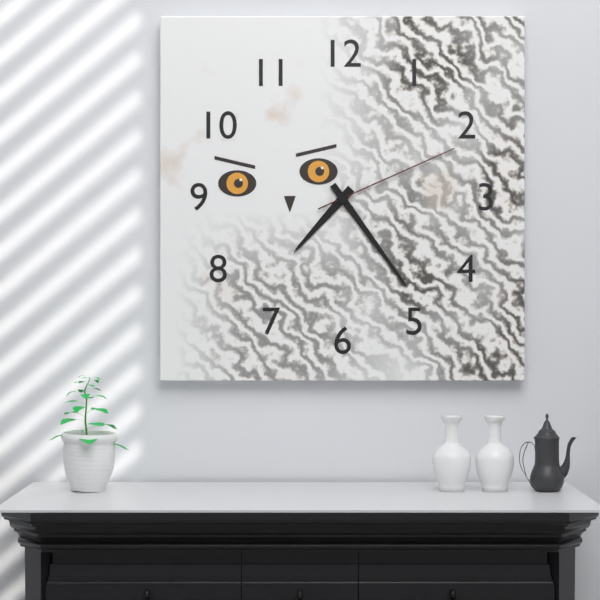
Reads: 7 h 24 min 11 s
